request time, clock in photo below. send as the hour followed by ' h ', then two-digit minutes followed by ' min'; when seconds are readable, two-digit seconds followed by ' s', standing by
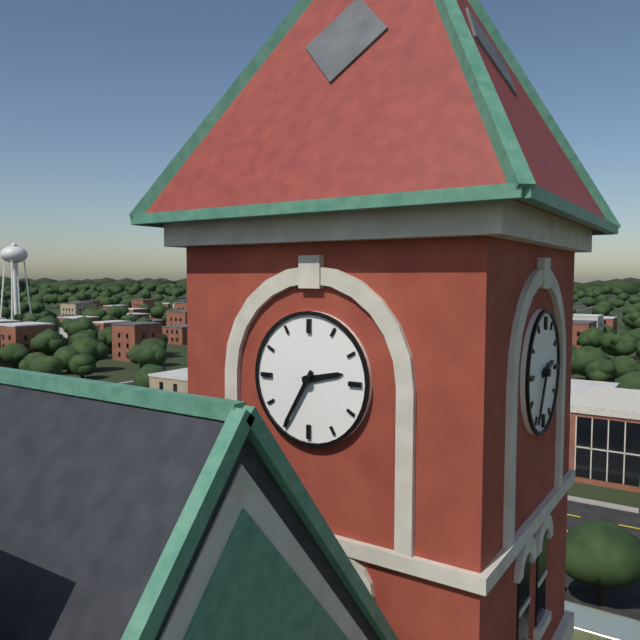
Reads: 2 h 35 min
